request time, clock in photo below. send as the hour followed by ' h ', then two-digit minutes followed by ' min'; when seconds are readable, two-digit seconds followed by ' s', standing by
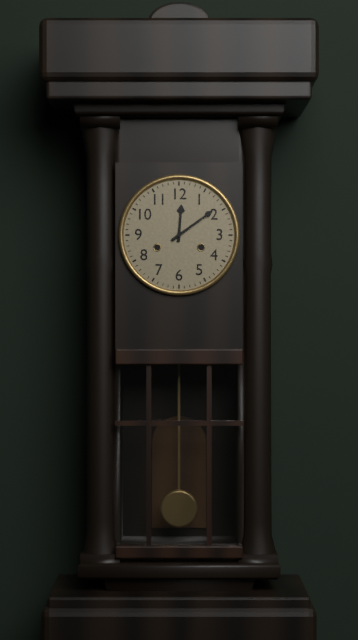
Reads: 12 h 09 min
